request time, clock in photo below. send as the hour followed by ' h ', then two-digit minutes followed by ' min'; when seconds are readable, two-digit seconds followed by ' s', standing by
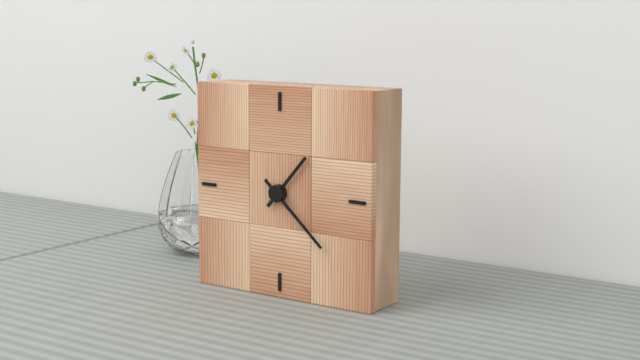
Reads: 1 h 22 min
